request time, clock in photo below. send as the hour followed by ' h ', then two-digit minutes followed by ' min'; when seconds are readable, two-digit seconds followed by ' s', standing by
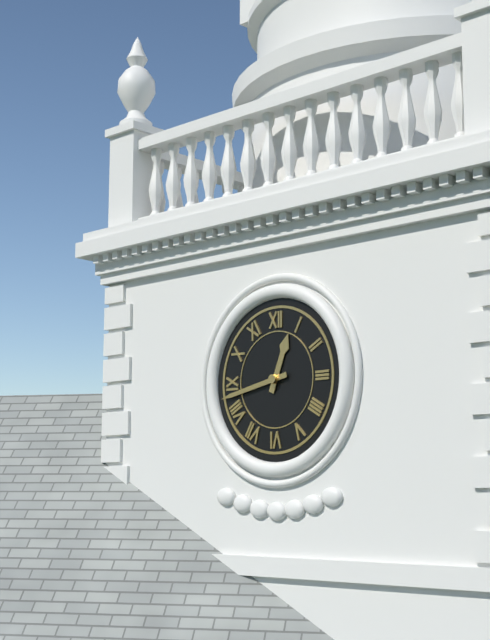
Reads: 12 h 43 min
